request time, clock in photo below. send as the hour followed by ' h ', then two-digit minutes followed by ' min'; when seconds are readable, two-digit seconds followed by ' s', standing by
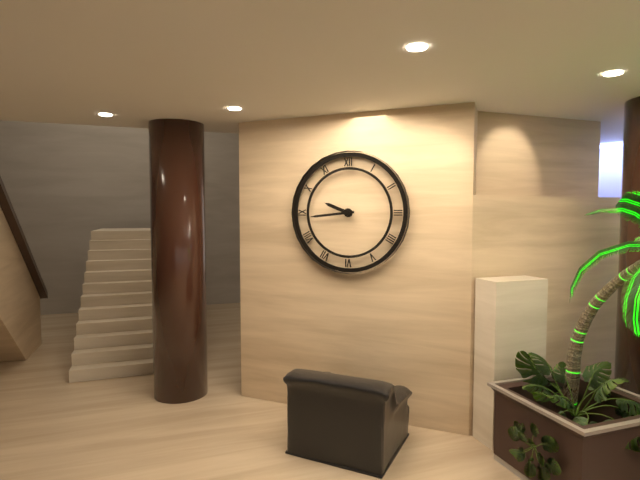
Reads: 9 h 44 min
